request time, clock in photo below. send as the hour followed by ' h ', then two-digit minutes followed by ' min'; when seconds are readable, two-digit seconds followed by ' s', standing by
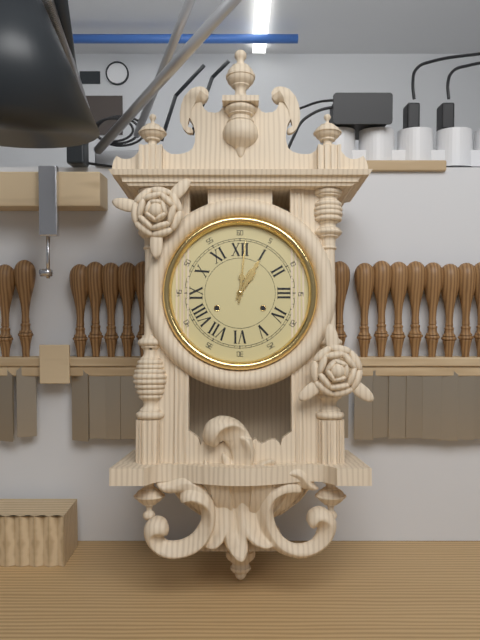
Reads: 1 h 01 min
